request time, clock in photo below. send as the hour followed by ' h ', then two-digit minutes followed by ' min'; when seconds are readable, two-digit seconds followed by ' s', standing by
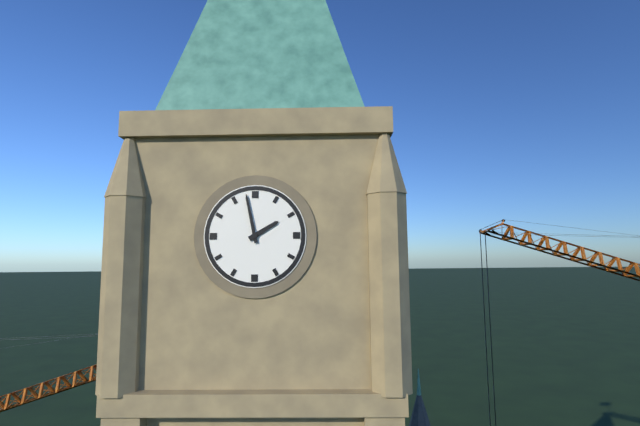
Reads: 1 h 58 min
